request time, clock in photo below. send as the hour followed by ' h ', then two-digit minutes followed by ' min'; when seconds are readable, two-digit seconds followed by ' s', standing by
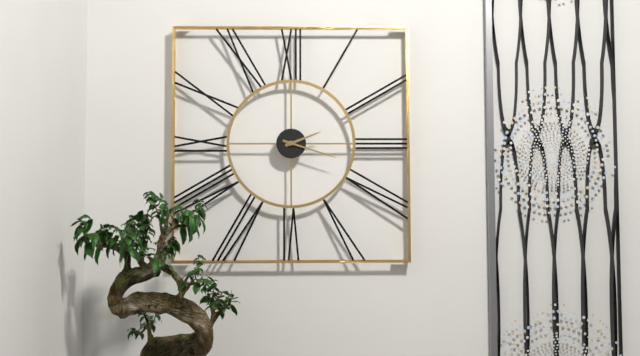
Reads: 2 h 18 min
